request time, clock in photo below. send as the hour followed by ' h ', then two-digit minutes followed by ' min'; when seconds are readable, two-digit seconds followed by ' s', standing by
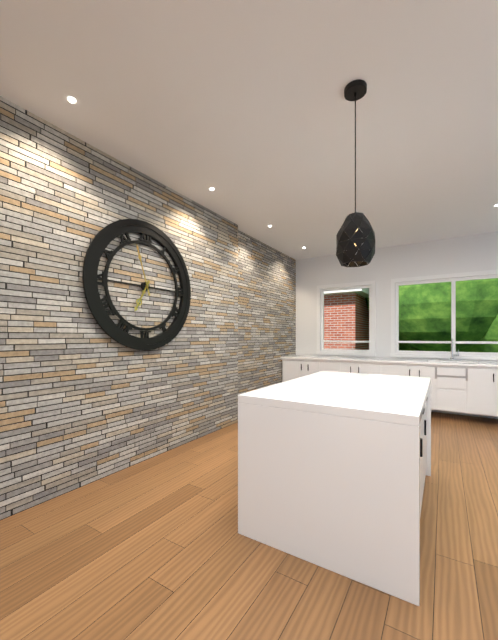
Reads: 6 h 57 min
